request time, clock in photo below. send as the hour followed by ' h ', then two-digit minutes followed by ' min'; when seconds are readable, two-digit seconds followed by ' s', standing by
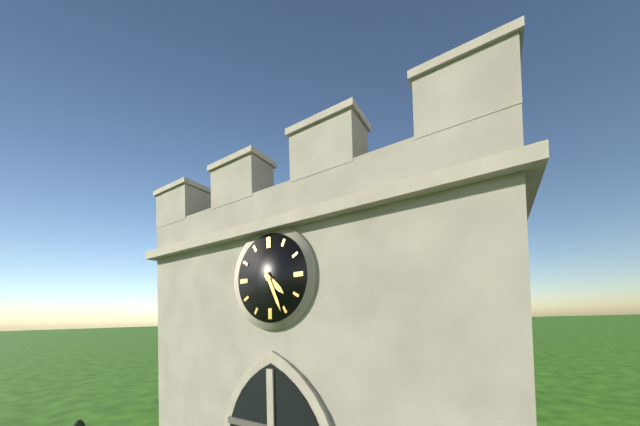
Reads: 4 h 26 min
